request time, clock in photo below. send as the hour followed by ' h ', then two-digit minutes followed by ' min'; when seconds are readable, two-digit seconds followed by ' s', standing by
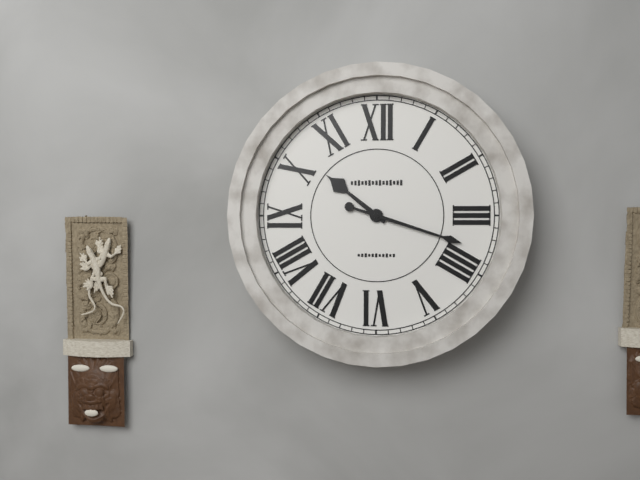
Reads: 10 h 18 min
